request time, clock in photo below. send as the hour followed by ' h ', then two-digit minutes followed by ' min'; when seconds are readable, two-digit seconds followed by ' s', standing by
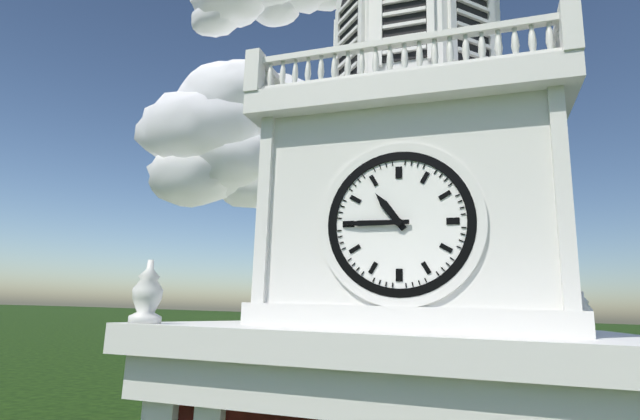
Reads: 10 h 45 min
